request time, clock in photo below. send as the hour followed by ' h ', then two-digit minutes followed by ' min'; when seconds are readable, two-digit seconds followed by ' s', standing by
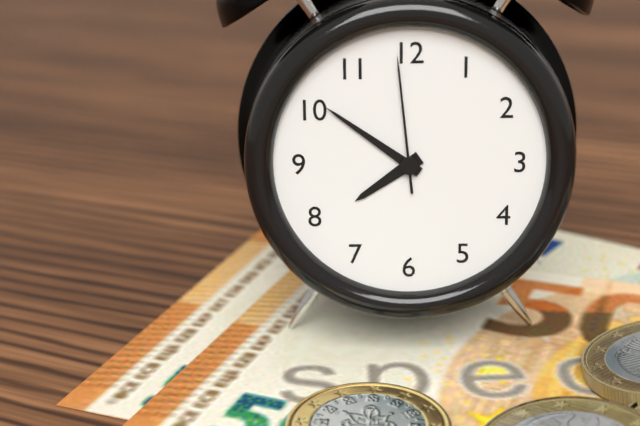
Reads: 7 h 51 min 59 s
